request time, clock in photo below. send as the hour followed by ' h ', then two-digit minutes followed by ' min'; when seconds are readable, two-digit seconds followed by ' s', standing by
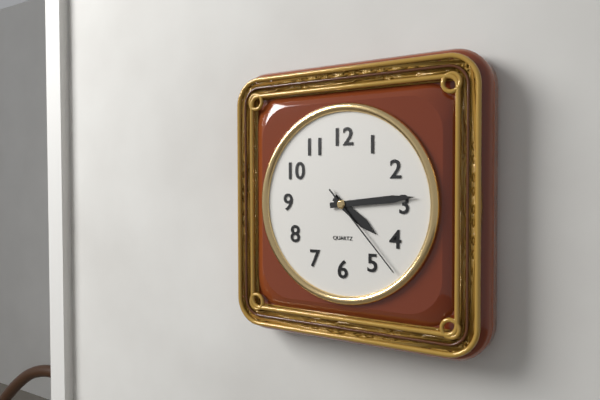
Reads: 4 h 14 min 23 s
